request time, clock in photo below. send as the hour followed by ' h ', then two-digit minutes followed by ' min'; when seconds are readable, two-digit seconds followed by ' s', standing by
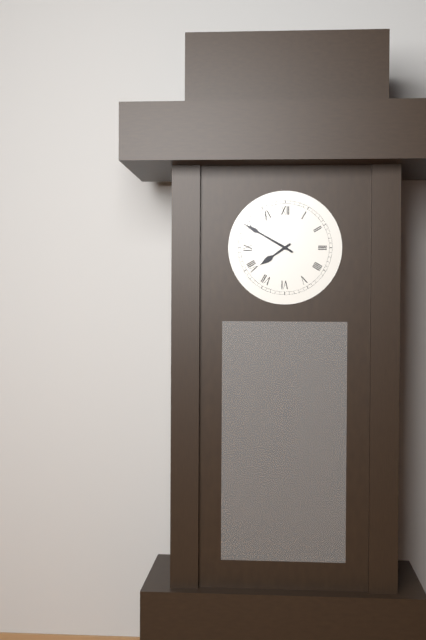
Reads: 7 h 50 min
